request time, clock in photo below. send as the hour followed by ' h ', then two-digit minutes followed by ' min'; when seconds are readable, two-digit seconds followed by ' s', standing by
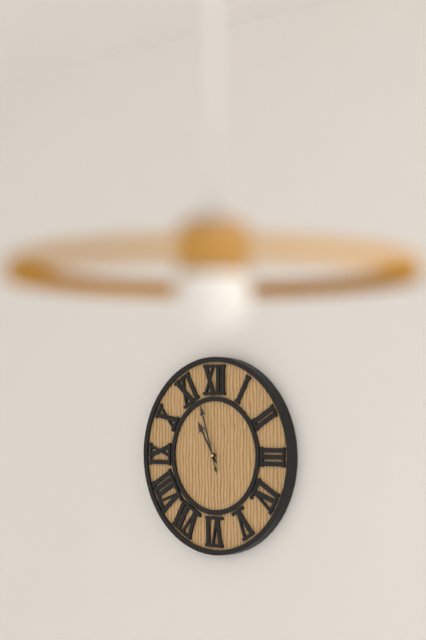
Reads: 10 h 57 min
